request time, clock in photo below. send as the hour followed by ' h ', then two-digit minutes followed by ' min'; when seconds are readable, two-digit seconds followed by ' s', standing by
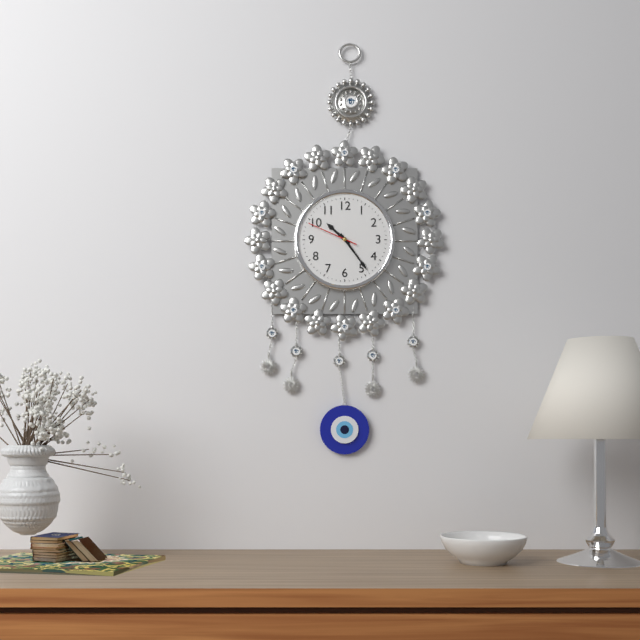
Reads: 10 h 24 min 49 s
